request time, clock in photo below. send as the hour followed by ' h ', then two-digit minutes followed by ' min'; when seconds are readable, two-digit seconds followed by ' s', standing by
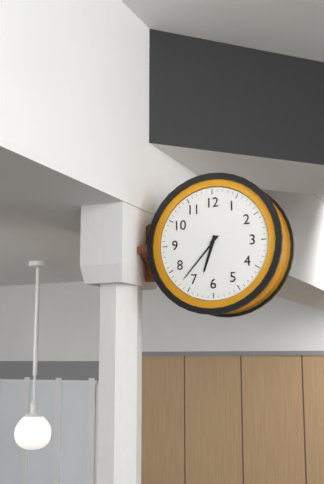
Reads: 6 h 37 min
